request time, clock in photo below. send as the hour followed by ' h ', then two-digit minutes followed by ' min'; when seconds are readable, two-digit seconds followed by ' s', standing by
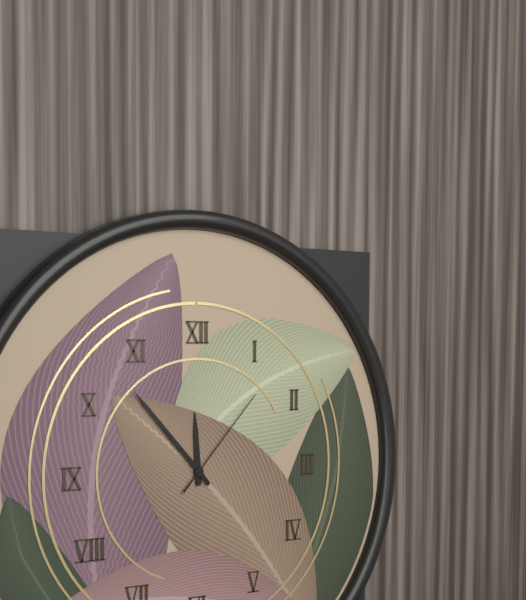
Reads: 11 h 53 min 07 s
